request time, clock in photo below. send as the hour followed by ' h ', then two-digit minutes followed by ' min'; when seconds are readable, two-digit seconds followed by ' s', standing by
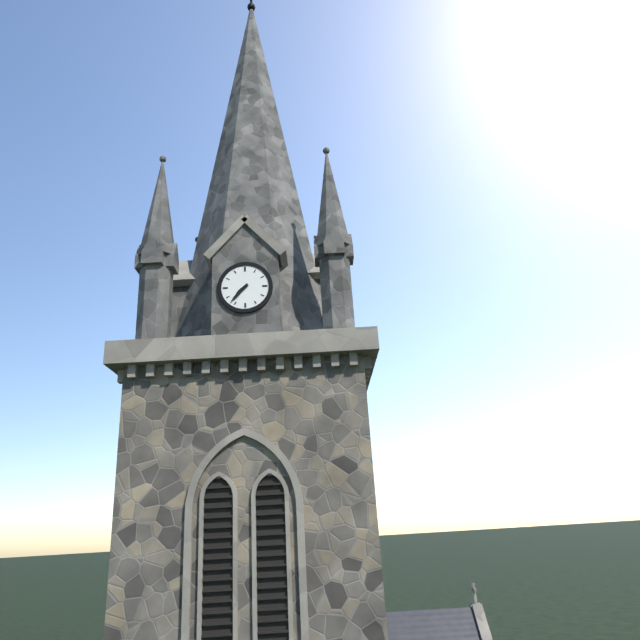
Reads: 7 h 37 min
